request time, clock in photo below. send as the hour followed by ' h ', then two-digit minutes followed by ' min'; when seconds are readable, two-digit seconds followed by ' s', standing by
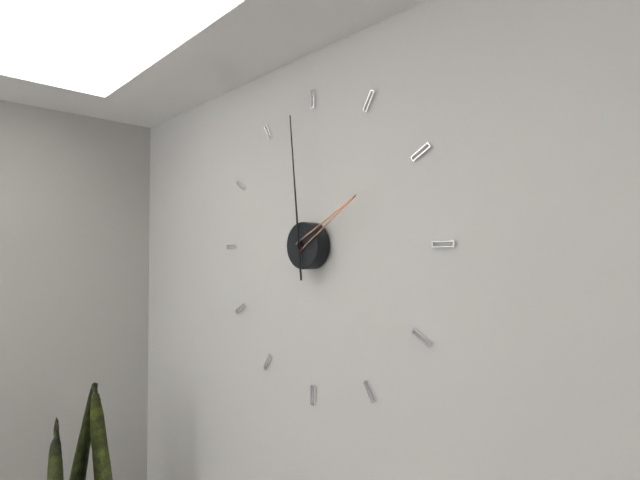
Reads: 1 h 59 min
